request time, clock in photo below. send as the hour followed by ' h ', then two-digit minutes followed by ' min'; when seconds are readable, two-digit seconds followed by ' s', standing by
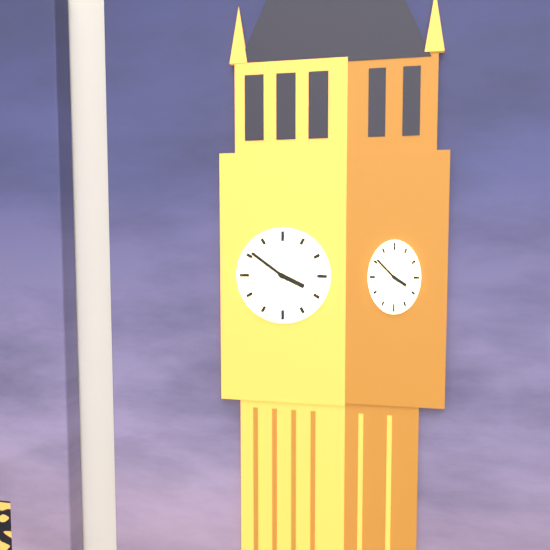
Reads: 3 h 51 min
